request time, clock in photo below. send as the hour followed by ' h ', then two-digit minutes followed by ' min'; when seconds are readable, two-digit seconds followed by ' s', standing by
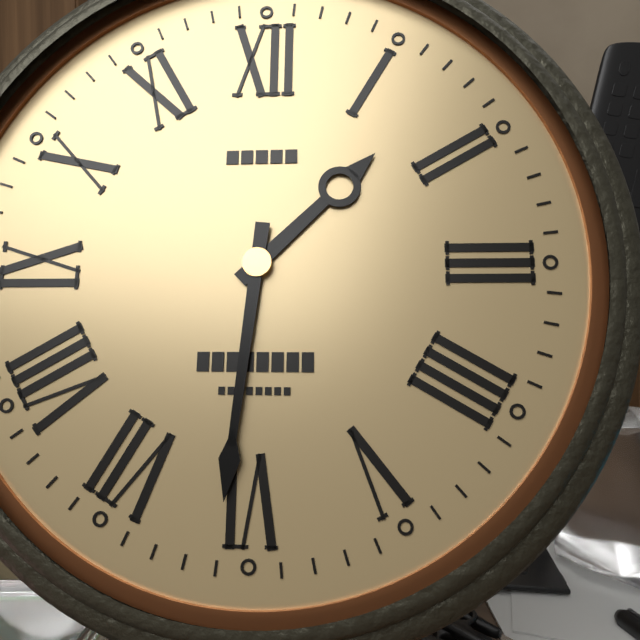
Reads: 1 h 31 min
